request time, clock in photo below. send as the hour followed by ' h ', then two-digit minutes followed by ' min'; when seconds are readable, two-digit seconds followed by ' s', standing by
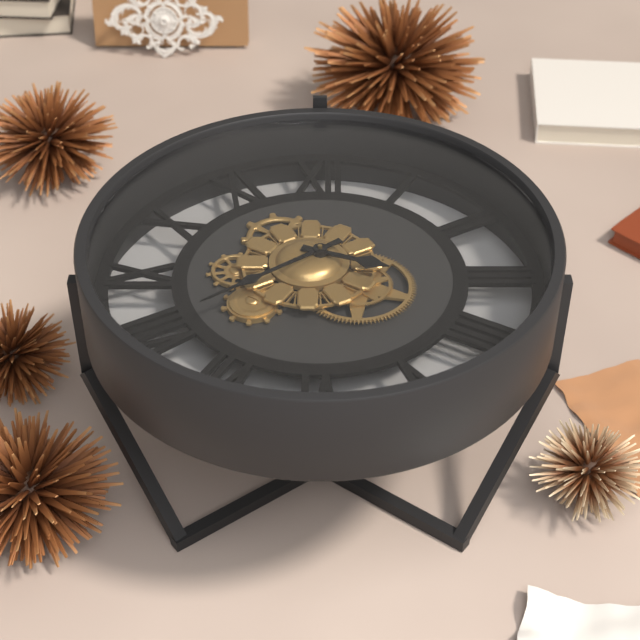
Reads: 3 h 39 min
